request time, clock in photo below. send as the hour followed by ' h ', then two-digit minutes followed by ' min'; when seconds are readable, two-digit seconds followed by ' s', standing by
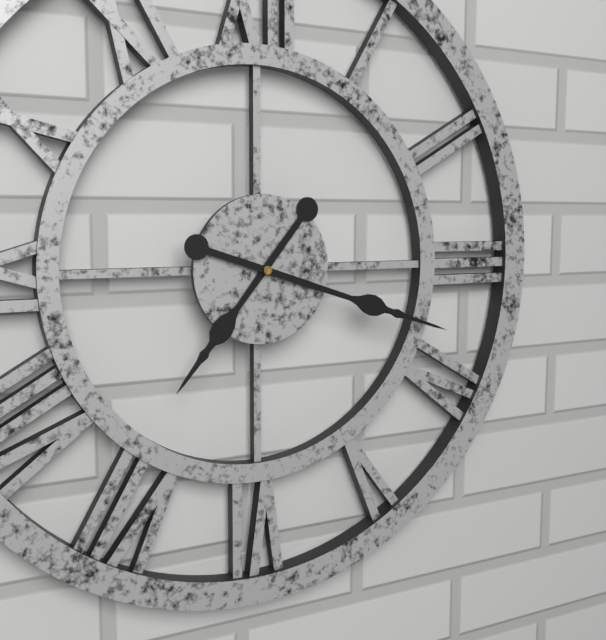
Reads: 7 h 18 min
